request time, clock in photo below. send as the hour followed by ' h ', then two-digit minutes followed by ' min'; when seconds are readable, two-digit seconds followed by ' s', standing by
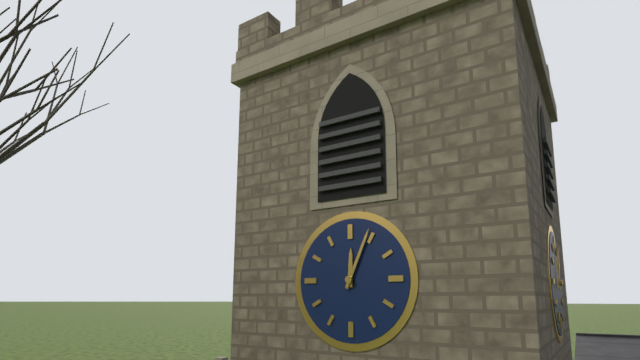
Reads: 12 h 04 min
